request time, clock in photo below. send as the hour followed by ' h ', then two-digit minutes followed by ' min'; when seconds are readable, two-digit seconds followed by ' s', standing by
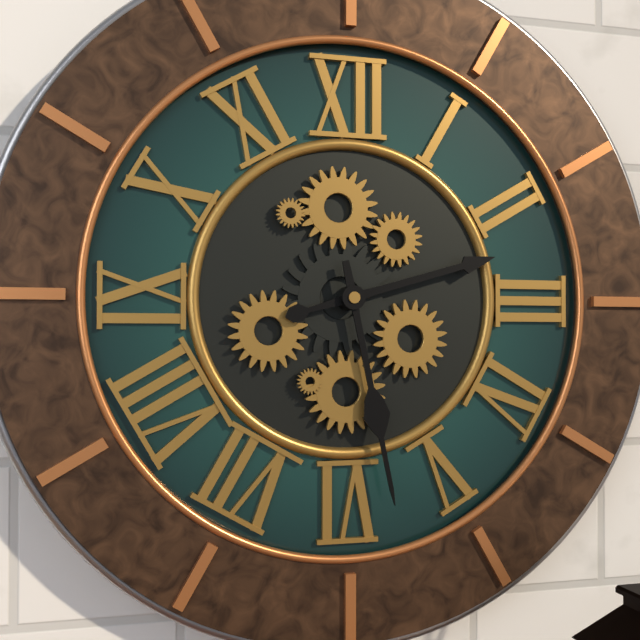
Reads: 2 h 28 min
